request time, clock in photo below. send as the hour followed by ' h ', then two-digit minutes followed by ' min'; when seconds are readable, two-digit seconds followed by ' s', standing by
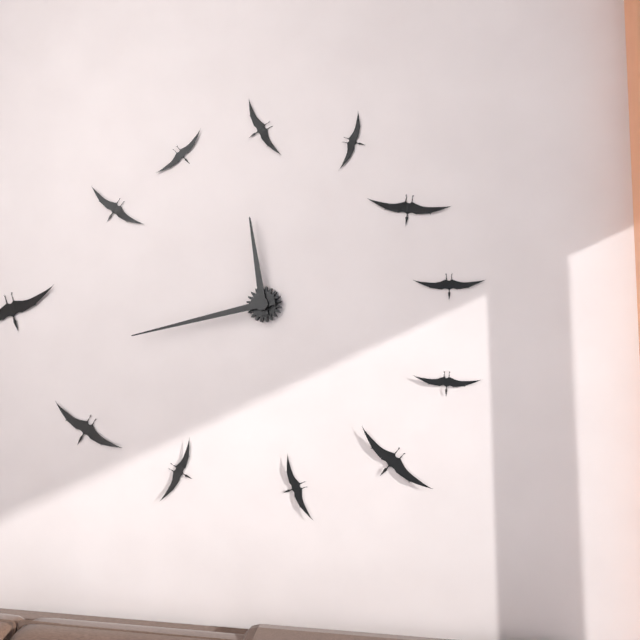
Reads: 11 h 43 min
